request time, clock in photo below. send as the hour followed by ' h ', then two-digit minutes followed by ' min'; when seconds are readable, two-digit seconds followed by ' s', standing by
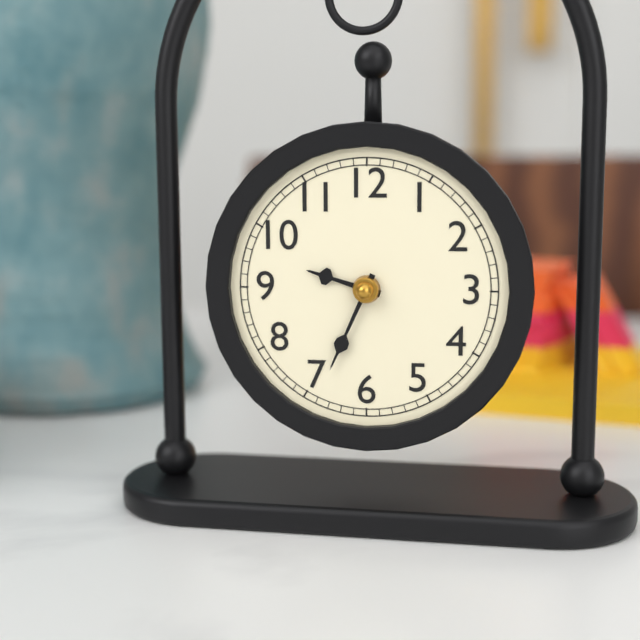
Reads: 9 h 34 min
